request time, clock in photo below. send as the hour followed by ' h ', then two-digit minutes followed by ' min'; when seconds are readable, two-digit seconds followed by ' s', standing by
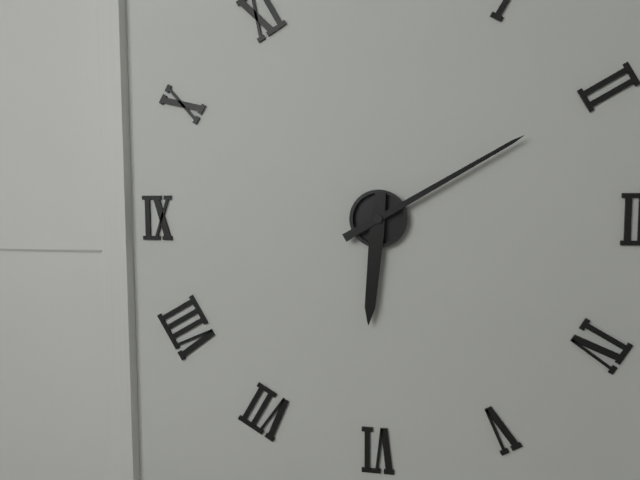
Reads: 6 h 10 min
